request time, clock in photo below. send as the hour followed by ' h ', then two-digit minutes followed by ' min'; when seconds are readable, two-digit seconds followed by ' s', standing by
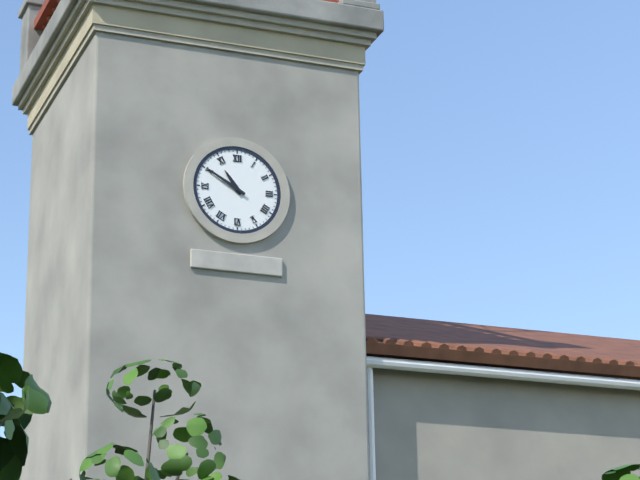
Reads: 10 h 50 min
